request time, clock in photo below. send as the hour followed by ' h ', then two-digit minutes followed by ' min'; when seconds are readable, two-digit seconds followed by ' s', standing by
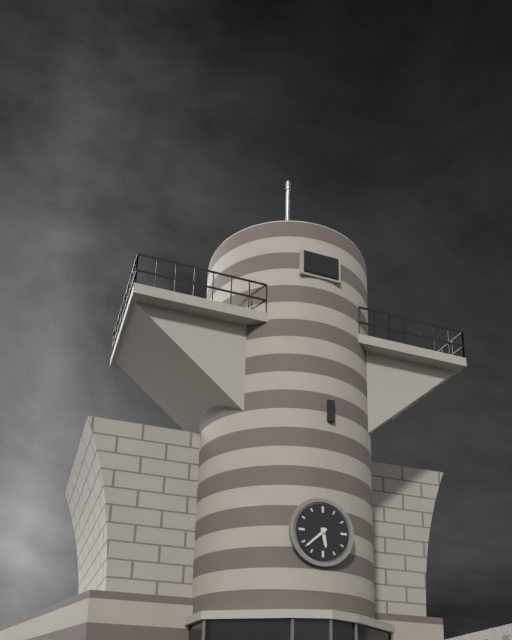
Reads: 5 h 38 min
